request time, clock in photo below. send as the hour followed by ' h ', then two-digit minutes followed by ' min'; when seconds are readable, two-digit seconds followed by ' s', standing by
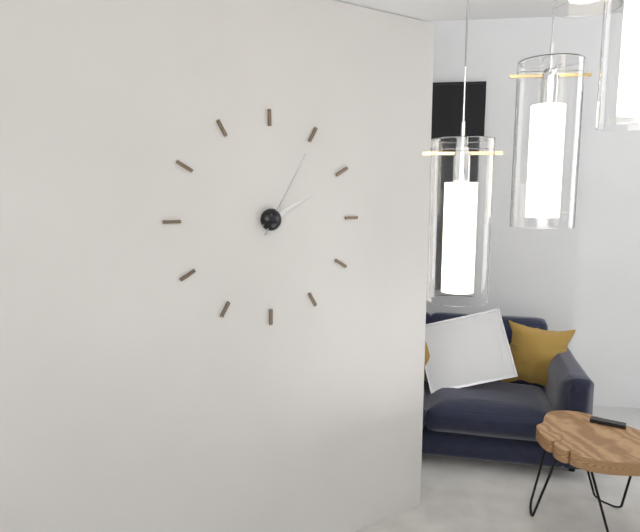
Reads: 2 h 05 min
